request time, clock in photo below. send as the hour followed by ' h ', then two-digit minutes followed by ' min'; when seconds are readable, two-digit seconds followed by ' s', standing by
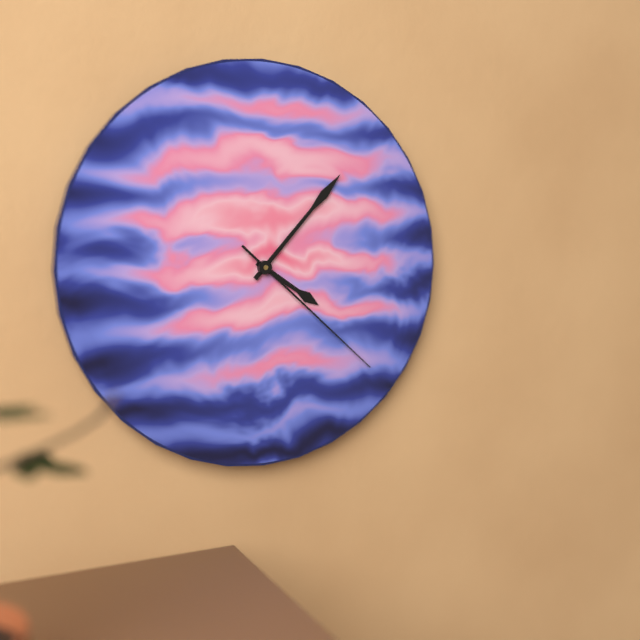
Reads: 4 h 07 min 22 s
